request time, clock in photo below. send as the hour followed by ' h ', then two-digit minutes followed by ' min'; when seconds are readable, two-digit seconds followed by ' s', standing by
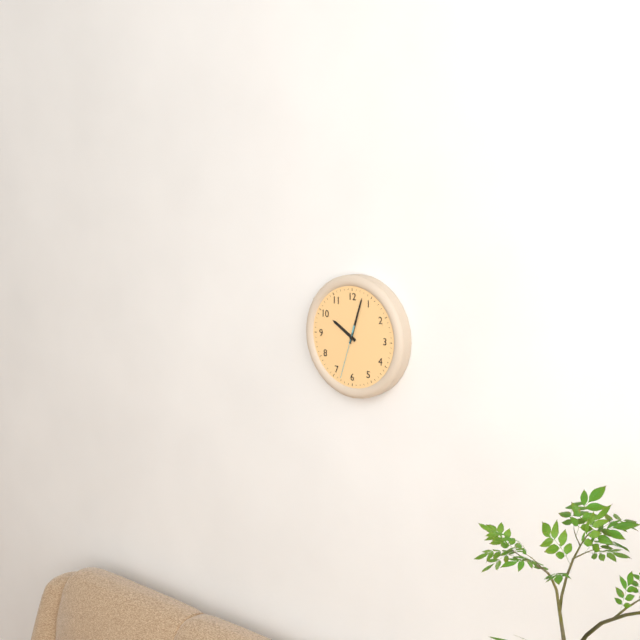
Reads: 10 h 03 min 33 s
